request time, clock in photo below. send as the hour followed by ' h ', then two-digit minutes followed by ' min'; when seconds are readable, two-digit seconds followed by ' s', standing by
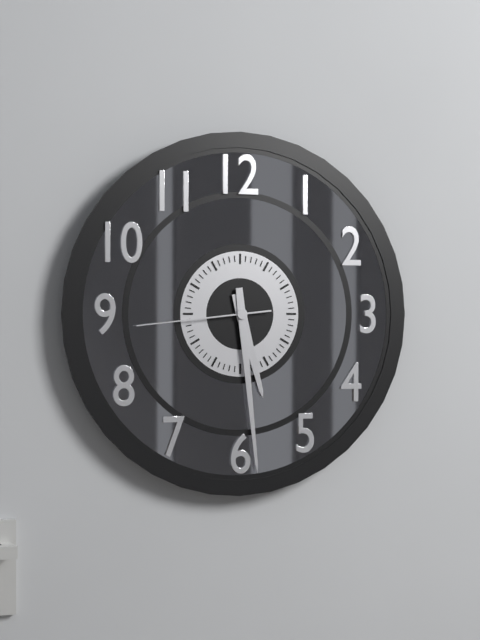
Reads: 5 h 29 min 44 s
